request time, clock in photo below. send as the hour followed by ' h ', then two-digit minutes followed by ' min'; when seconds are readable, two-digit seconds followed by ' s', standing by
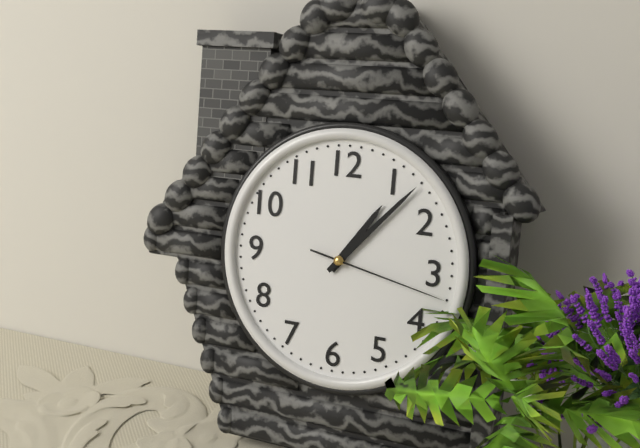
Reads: 1 h 07 min 17 s
